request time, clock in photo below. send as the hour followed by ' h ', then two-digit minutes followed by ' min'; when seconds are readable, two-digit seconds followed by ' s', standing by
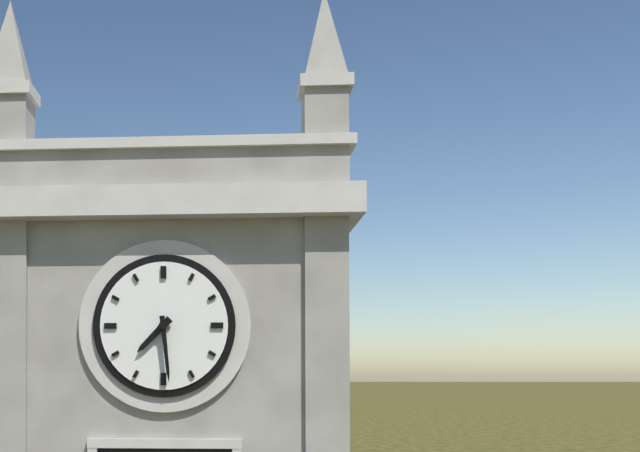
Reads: 7 h 29 min
